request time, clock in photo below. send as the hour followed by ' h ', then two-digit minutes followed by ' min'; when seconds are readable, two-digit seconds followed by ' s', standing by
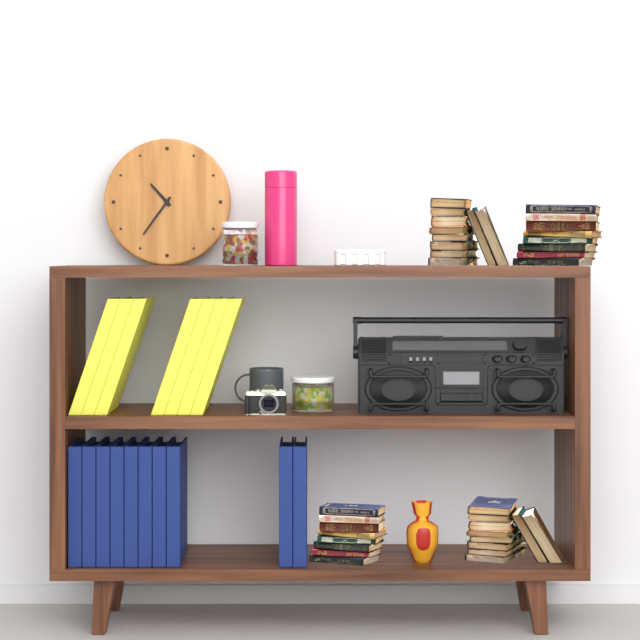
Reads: 10 h 36 min
